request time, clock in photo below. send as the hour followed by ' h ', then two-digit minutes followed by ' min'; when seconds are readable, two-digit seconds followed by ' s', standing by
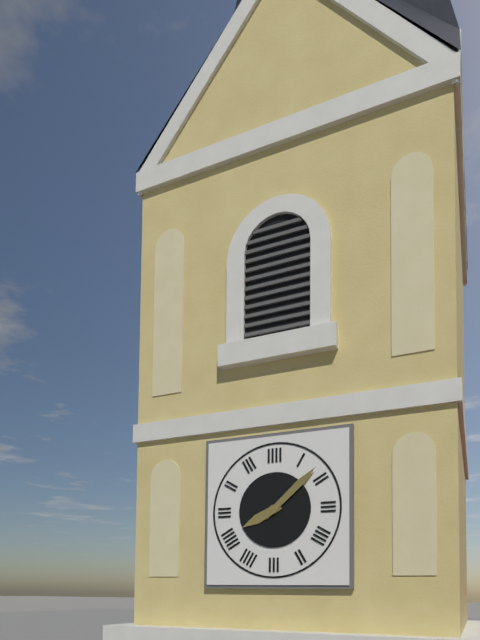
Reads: 8 h 08 min
